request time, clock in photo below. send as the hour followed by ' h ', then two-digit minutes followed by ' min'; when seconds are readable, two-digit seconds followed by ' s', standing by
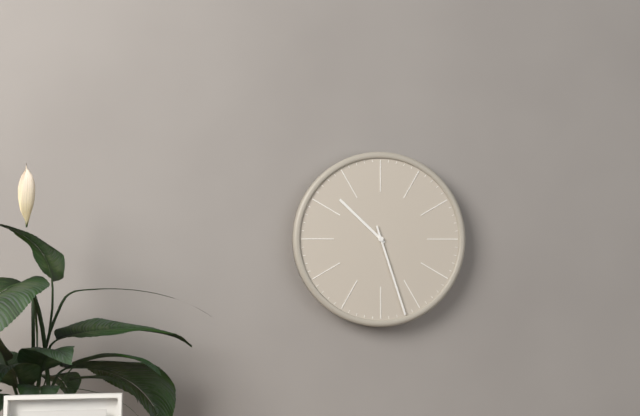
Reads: 10 h 27 min
